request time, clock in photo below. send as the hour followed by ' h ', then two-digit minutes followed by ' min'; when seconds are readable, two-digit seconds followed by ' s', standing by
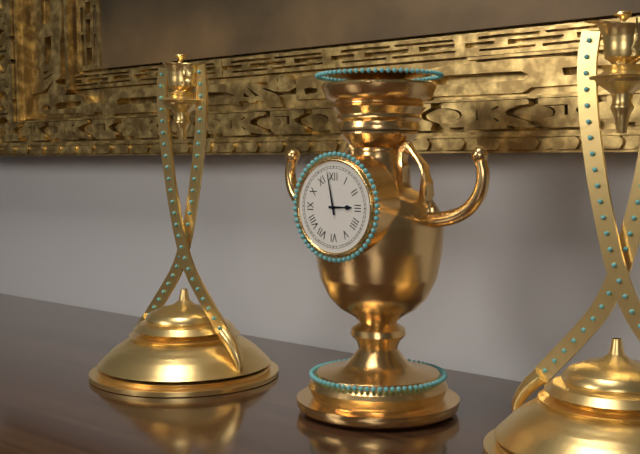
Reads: 2 h 58 min
